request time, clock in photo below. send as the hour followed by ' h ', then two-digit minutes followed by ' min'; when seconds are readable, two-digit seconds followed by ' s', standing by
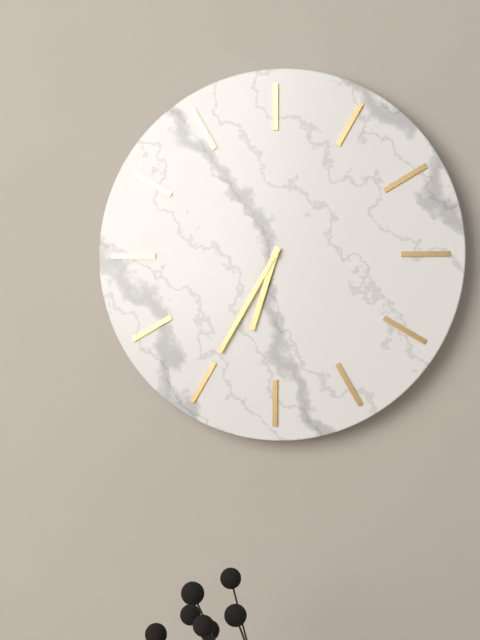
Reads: 6 h 35 min
